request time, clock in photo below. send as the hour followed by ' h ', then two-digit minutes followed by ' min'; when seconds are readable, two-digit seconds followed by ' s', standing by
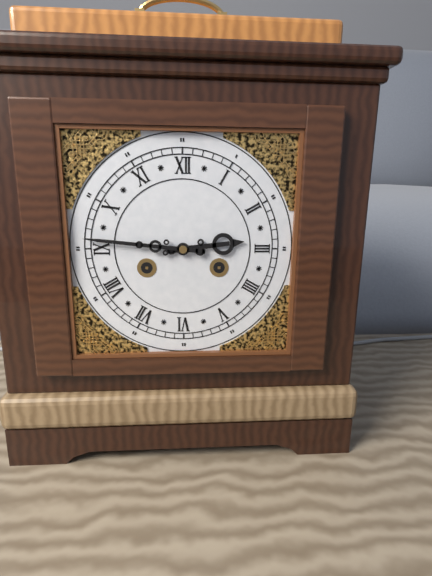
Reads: 2 h 46 min
